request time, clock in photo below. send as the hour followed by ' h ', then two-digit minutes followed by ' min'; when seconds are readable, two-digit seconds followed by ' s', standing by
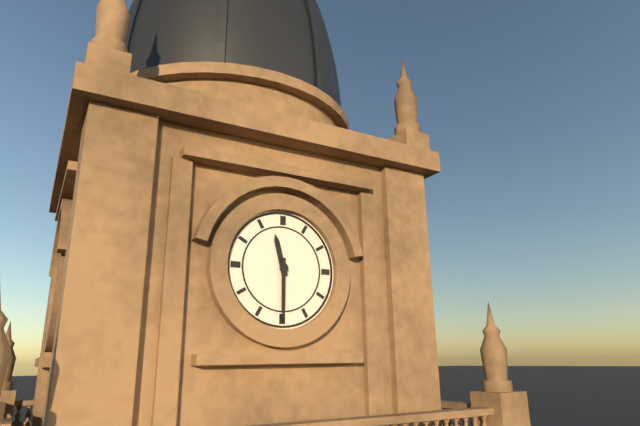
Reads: 11 h 30 min
